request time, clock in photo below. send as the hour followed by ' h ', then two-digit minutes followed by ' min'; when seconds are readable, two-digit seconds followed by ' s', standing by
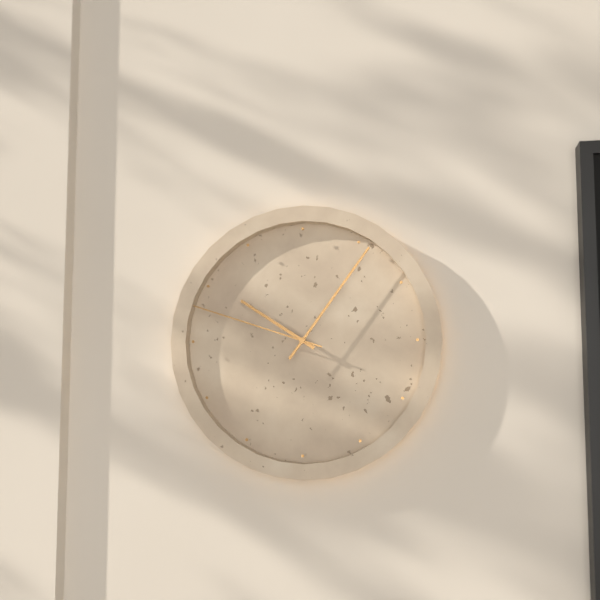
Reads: 10 h 06 min 48 s
